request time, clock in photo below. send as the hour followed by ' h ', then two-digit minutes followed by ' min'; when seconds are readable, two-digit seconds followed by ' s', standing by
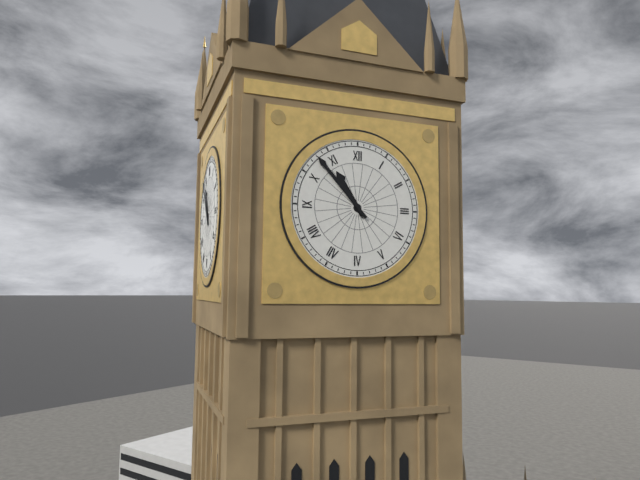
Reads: 10 h 53 min
